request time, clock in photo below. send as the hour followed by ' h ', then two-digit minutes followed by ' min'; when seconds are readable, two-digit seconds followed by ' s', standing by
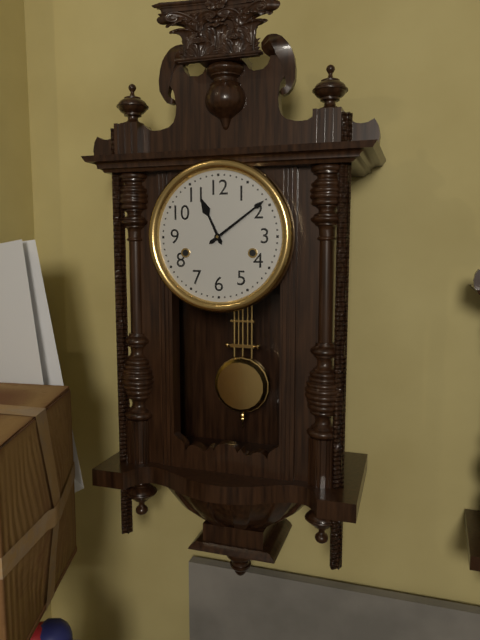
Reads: 11 h 09 min
